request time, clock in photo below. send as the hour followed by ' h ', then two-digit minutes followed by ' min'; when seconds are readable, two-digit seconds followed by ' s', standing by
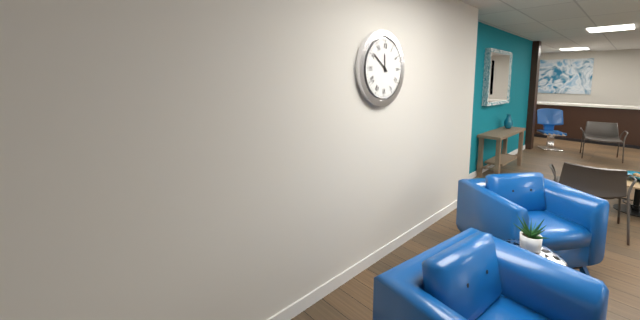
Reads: 11 h 51 min
